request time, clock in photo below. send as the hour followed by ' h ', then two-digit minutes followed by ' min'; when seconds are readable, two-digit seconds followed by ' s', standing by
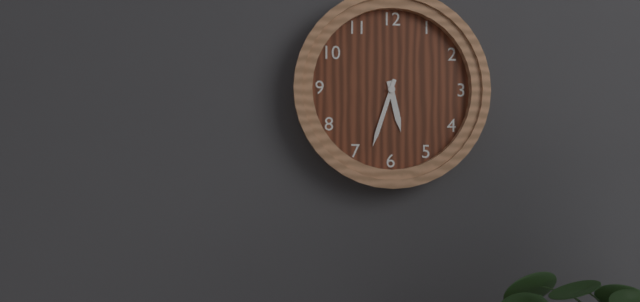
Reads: 5 h 33 min
